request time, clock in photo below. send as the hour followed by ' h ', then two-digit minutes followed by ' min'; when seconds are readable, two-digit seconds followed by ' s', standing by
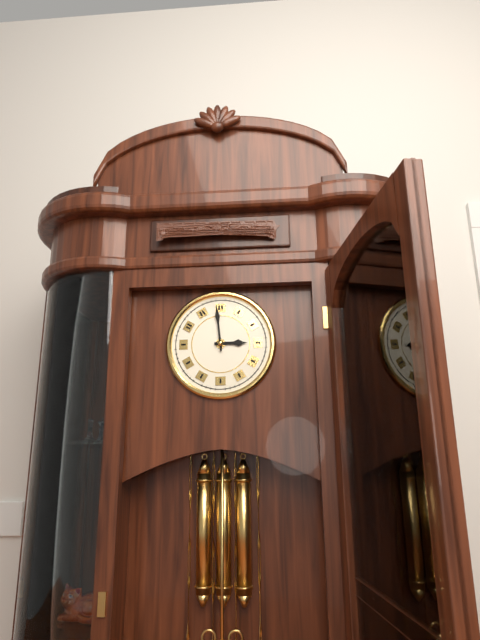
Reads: 2 h 59 min
